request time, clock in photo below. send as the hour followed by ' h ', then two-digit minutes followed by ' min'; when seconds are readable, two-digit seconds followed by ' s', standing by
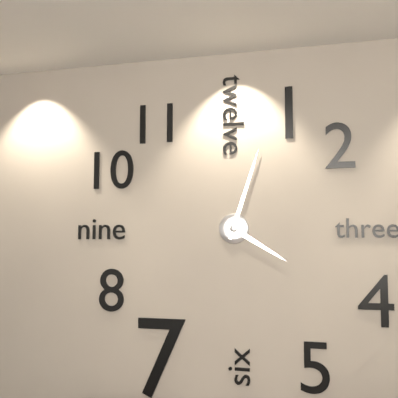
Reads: 4 h 03 min
